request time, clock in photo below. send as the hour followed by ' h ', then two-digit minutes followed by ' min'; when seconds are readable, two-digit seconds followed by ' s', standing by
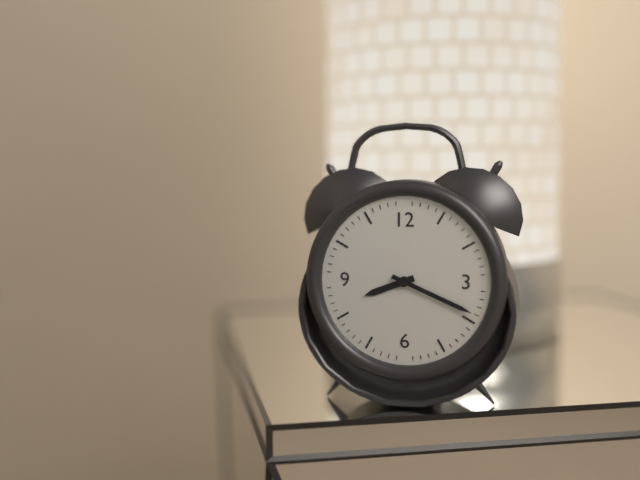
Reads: 8 h 19 min
